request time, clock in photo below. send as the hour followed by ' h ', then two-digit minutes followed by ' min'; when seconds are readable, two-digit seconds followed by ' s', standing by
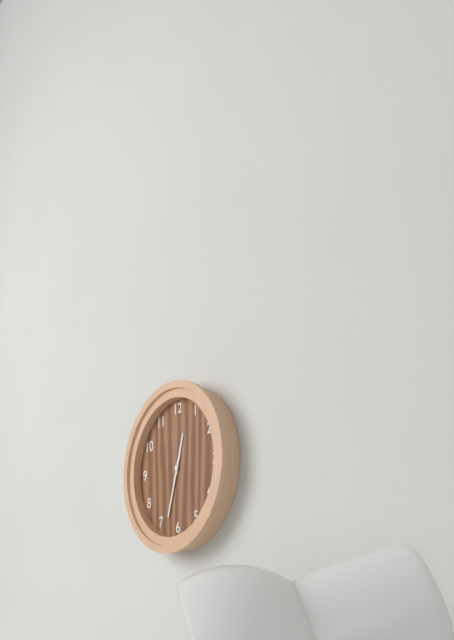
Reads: 12 h 33 min
